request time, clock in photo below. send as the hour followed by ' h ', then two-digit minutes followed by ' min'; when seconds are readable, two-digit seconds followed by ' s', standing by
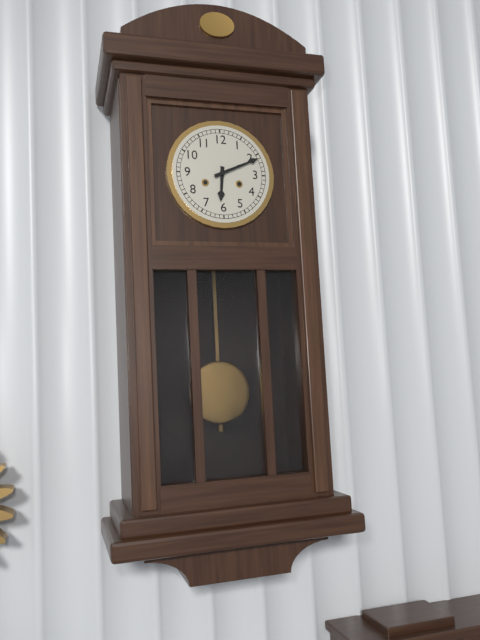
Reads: 6 h 11 min
